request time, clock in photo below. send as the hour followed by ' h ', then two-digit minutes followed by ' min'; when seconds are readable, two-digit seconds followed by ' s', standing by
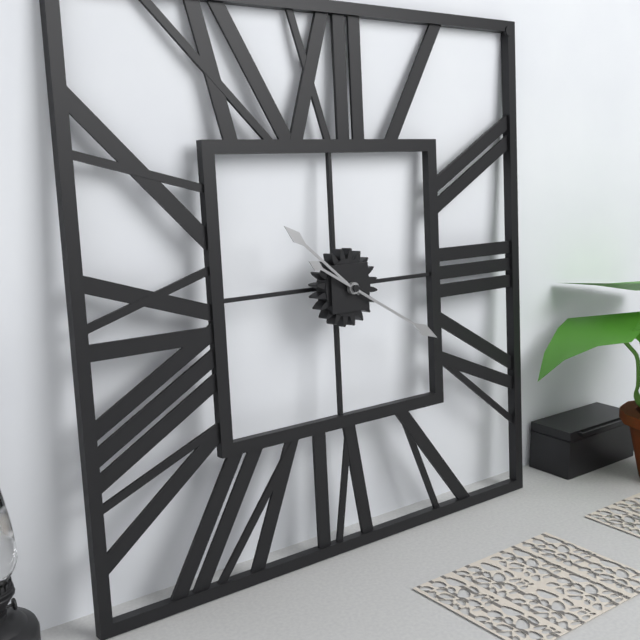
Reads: 10 h 20 min
